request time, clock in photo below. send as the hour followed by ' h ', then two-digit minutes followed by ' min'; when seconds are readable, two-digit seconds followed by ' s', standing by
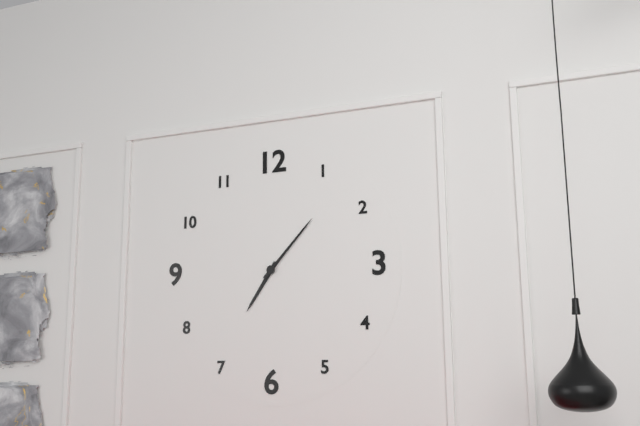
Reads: 7 h 07 min
